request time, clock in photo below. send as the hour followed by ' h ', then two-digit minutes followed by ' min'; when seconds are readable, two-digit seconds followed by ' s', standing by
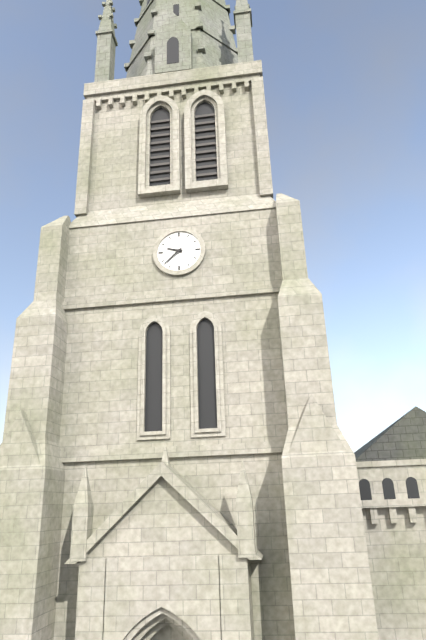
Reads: 9 h 38 min
